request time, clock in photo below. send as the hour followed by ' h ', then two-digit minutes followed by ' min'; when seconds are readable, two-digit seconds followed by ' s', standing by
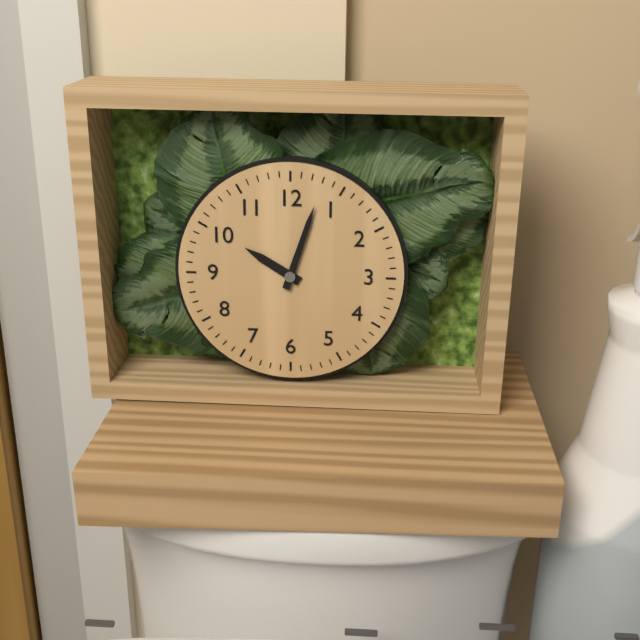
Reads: 10 h 03 min
